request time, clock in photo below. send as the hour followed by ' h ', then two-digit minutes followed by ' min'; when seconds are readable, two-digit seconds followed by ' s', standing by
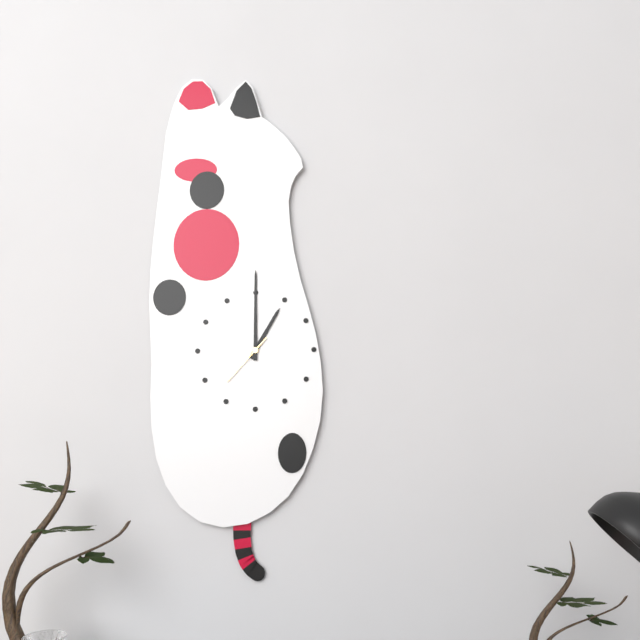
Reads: 1 h 00 min 37 s
